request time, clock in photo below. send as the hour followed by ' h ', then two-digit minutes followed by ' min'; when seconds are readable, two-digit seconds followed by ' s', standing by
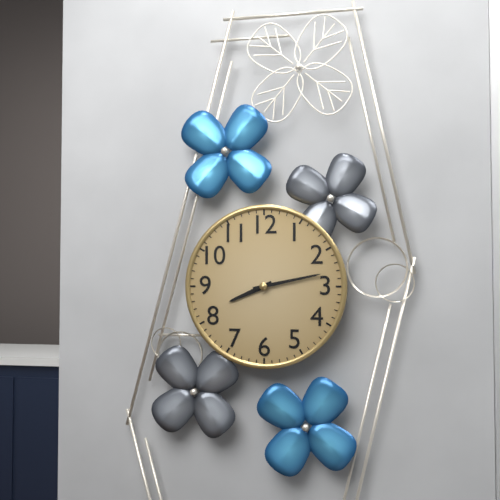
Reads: 8 h 13 min
